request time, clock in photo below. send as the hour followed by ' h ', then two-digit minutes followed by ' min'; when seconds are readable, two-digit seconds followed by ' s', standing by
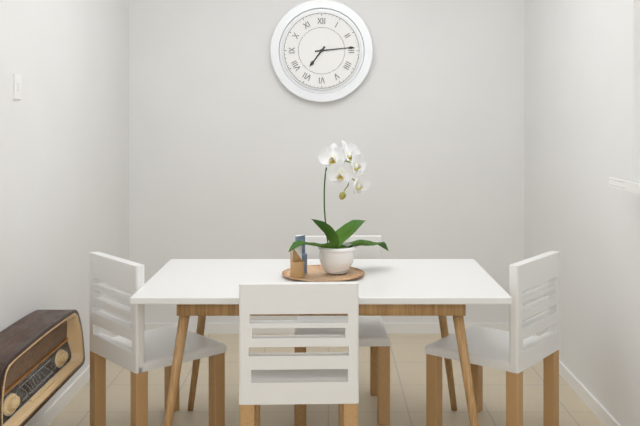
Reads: 7 h 14 min
